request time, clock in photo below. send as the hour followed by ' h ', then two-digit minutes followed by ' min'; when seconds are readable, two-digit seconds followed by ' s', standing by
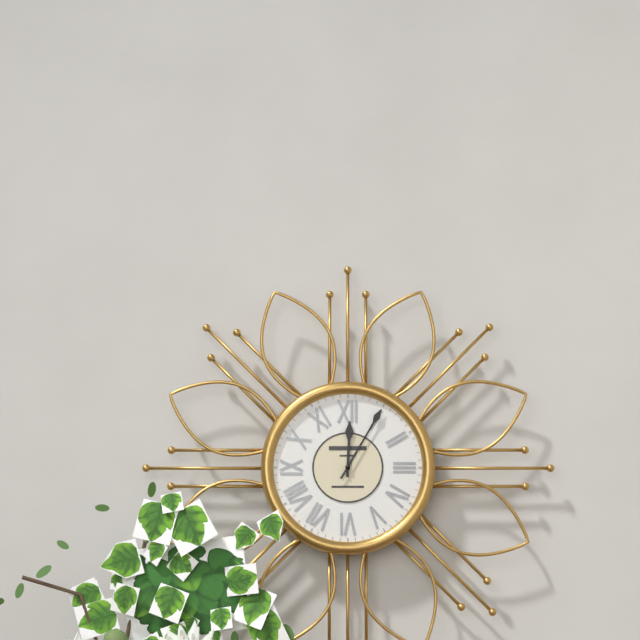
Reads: 12 h 05 min
